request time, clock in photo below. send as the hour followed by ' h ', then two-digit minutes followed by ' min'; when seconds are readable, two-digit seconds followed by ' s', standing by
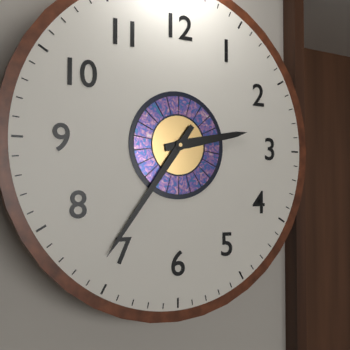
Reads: 2 h 36 min
